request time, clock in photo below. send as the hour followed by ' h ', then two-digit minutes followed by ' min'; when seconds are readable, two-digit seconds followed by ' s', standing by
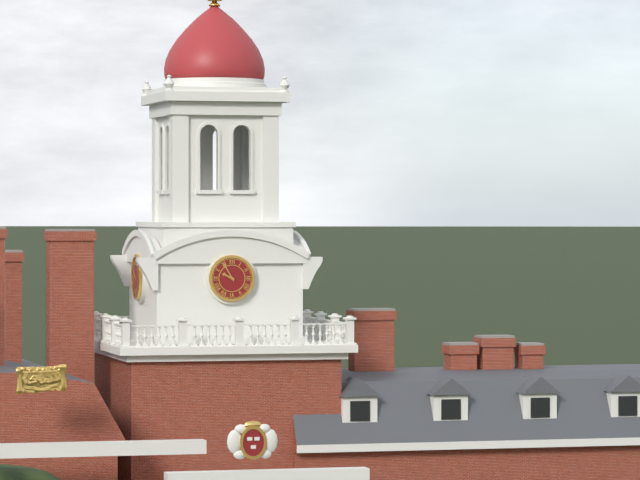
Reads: 9 h 55 min
